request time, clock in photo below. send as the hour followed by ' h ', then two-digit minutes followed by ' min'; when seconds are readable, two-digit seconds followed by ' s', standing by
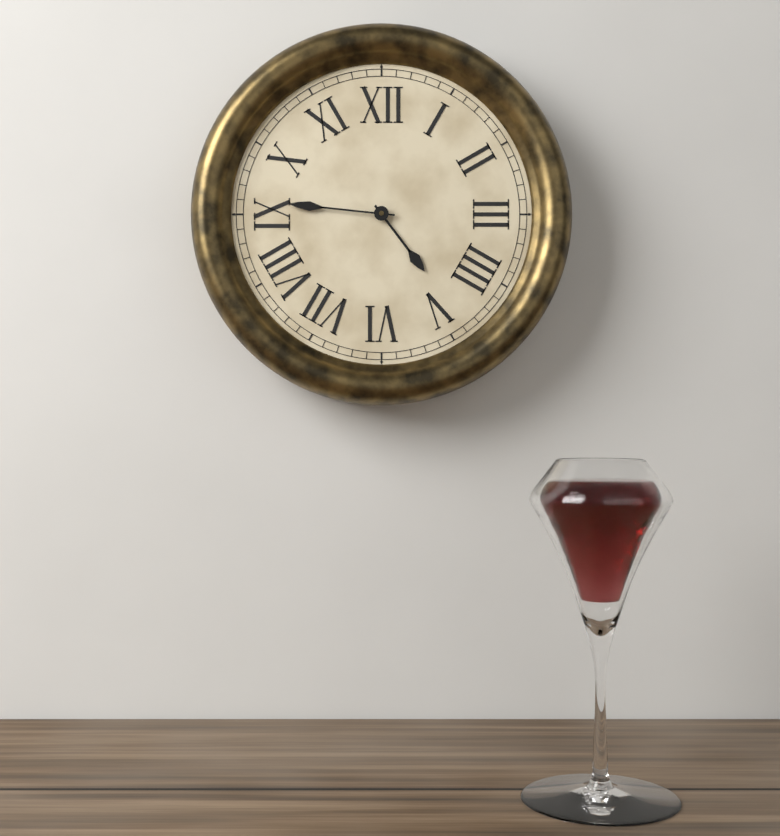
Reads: 4 h 46 min
